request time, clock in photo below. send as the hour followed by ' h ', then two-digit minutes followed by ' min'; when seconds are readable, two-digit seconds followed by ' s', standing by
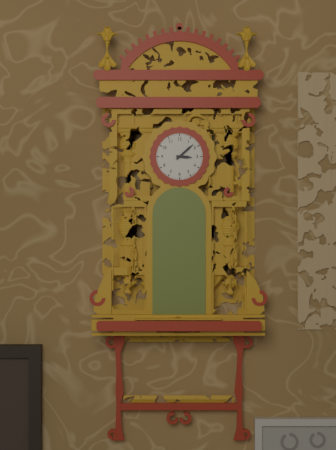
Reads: 3 h 08 min
